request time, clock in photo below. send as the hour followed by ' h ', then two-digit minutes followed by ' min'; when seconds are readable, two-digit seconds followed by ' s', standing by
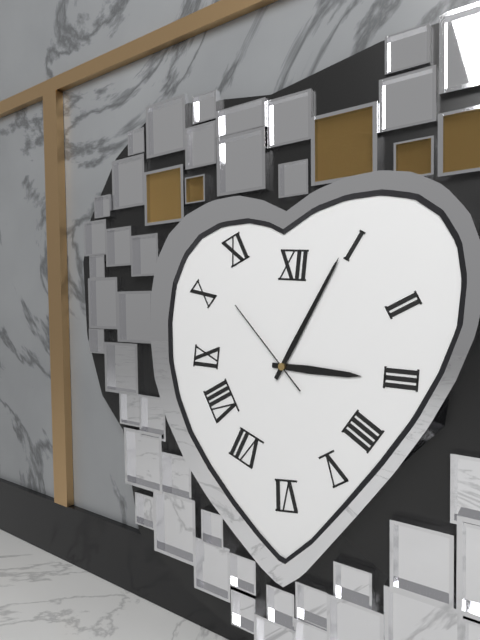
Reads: 3 h 05 min 53 s
